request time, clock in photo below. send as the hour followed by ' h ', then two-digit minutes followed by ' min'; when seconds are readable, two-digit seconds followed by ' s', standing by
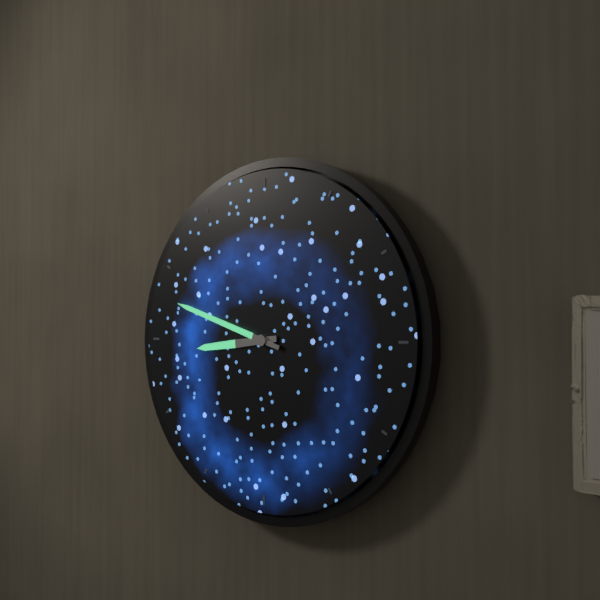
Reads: 8 h 48 min
